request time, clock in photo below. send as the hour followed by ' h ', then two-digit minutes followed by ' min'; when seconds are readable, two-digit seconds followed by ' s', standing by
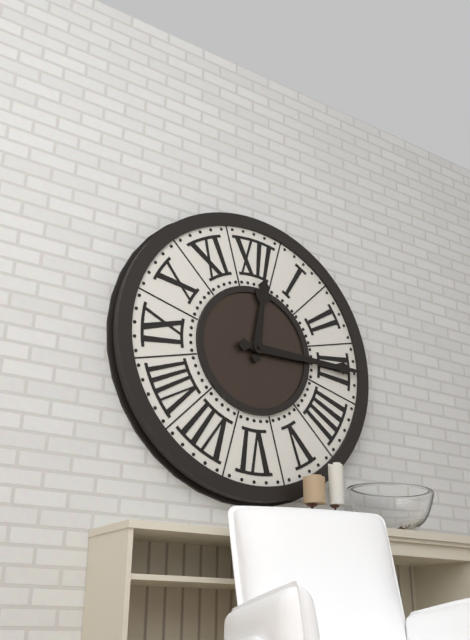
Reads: 12 h 15 min
